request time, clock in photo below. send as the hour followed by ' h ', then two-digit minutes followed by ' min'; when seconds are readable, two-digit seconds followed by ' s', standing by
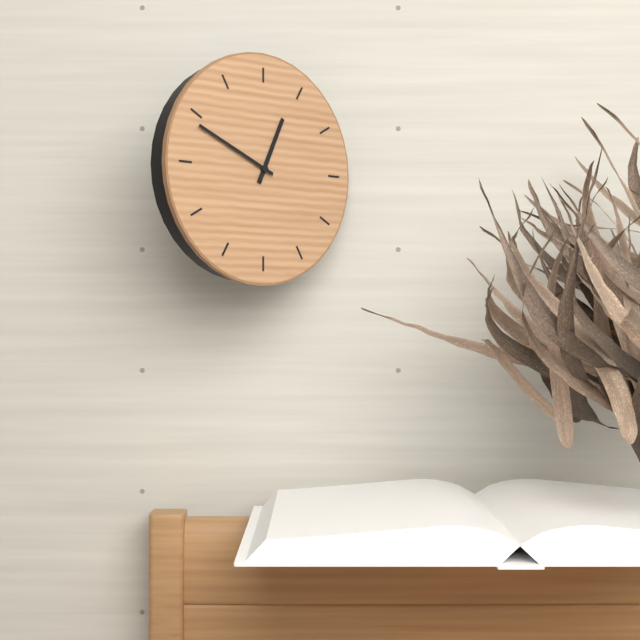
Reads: 12 h 49 min
